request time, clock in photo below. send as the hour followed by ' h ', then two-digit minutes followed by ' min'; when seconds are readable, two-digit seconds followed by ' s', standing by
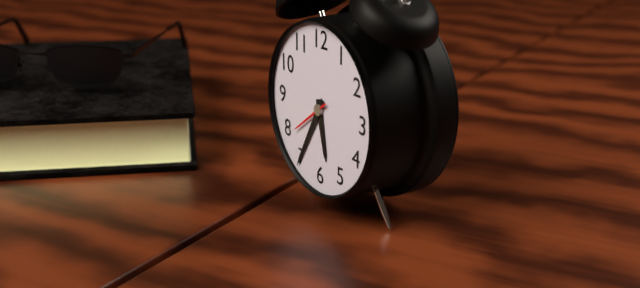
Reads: 5 h 35 min
